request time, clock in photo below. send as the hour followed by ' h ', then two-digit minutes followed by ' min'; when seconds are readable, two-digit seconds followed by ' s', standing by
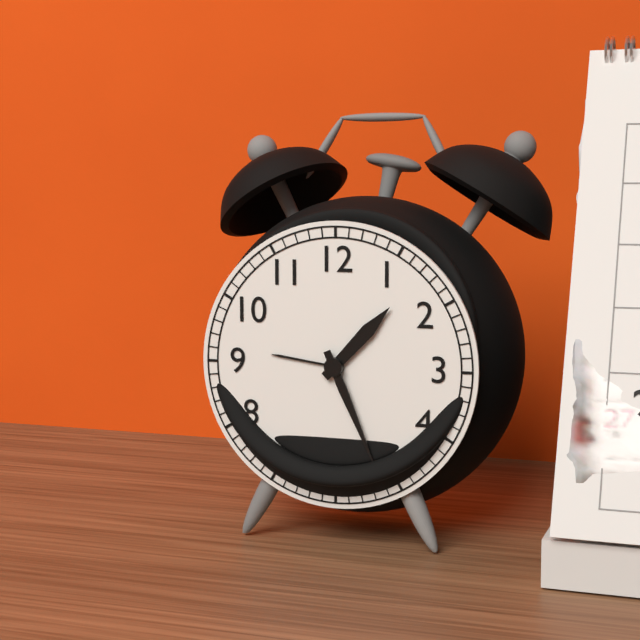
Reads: 1 h 26 min
